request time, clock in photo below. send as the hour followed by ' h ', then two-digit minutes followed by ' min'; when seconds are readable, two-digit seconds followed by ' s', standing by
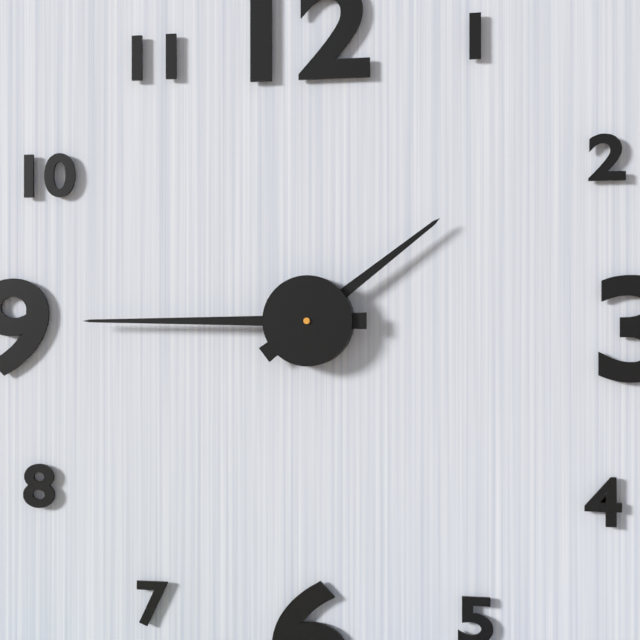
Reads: 1 h 45 min
